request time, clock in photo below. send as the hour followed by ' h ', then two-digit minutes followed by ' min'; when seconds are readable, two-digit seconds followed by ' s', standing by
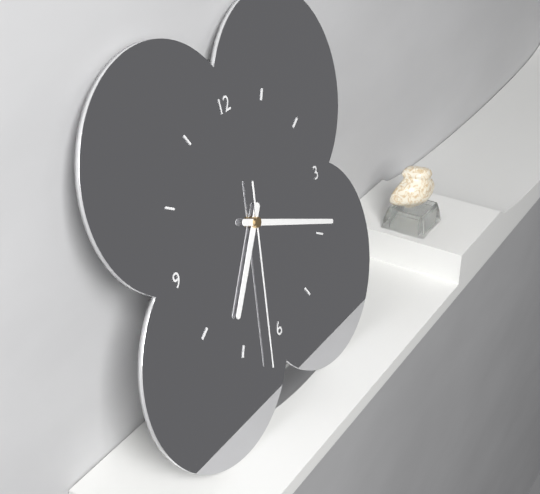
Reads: 7 h 19 min 32 s
